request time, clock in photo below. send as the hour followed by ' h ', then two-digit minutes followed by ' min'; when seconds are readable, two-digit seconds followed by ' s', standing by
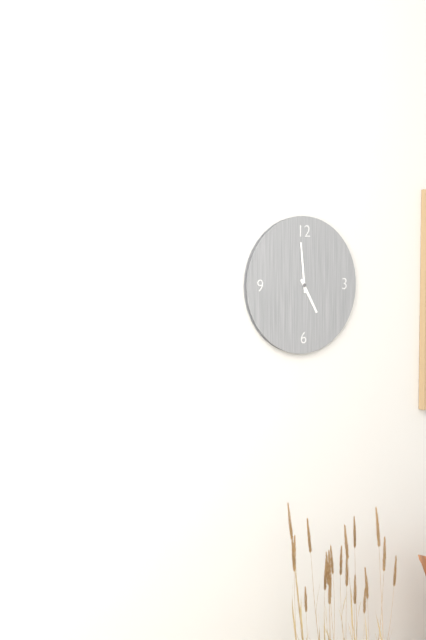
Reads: 4 h 59 min
